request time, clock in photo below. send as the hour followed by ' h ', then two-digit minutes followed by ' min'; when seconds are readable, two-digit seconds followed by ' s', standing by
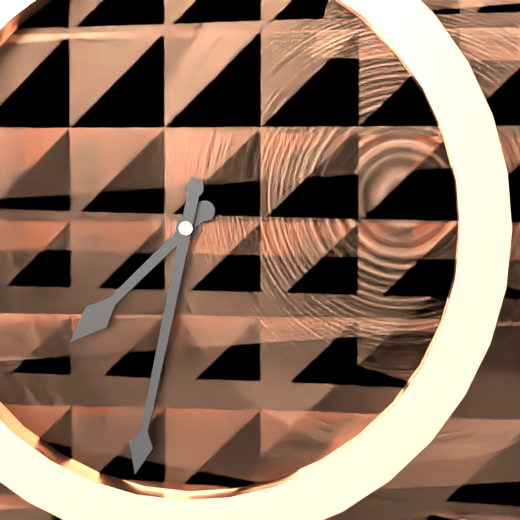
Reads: 7 h 32 min
